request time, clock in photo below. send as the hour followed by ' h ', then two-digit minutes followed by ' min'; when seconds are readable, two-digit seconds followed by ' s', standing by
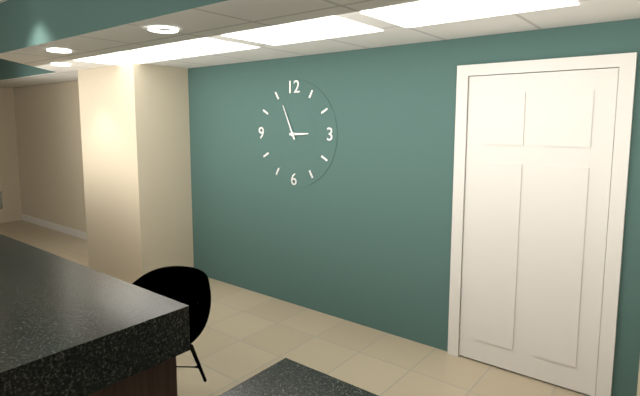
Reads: 2 h 56 min
